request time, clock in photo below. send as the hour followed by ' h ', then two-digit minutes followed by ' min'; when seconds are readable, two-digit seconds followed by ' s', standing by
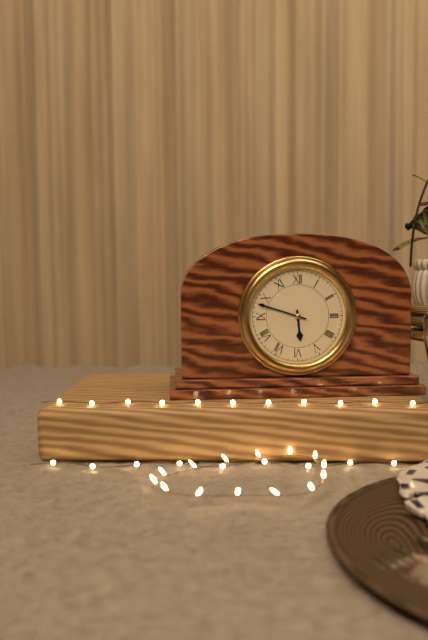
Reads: 5 h 48 min
